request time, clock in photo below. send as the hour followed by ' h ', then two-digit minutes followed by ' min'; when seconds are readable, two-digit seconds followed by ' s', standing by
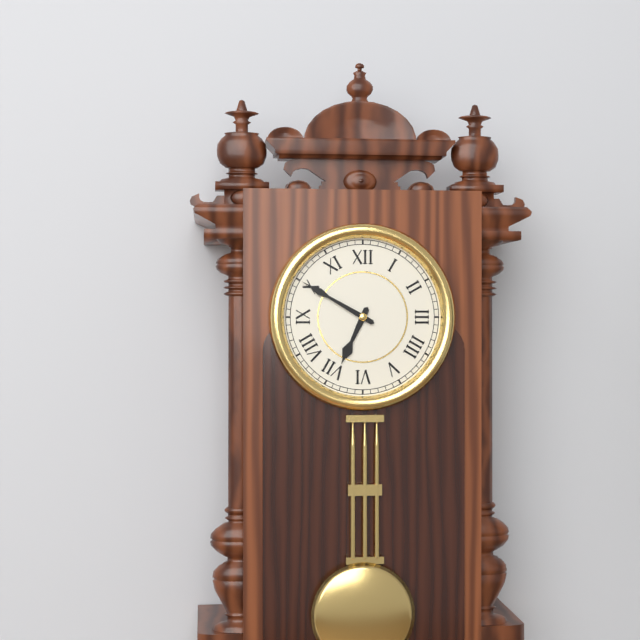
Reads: 6 h 50 min
